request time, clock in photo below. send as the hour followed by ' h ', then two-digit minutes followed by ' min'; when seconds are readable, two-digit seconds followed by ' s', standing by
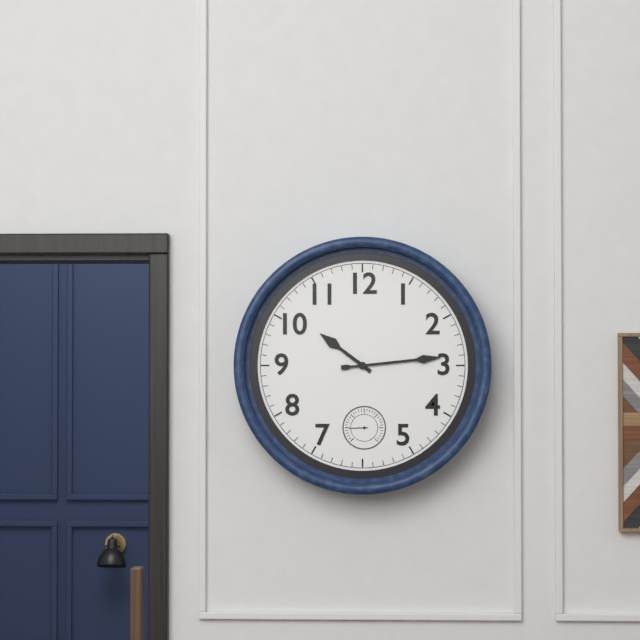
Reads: 10 h 14 min
